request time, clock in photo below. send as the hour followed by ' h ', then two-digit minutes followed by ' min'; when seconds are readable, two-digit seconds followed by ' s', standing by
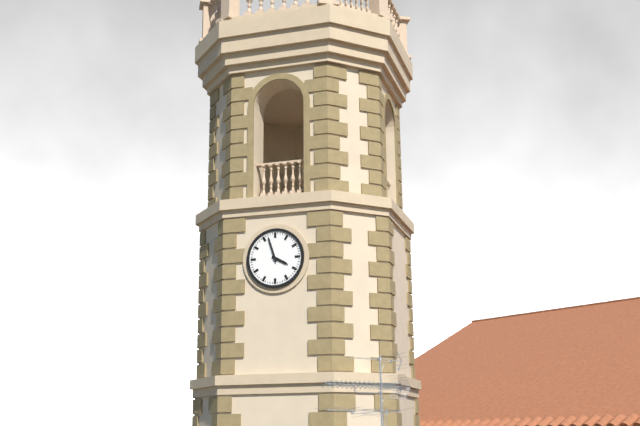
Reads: 3 h 57 min
